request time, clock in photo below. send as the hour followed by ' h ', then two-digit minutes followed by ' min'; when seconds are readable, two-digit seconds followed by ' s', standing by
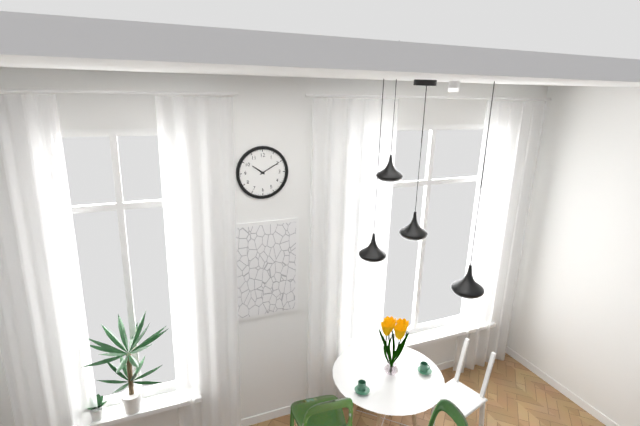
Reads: 10 h 10 min
